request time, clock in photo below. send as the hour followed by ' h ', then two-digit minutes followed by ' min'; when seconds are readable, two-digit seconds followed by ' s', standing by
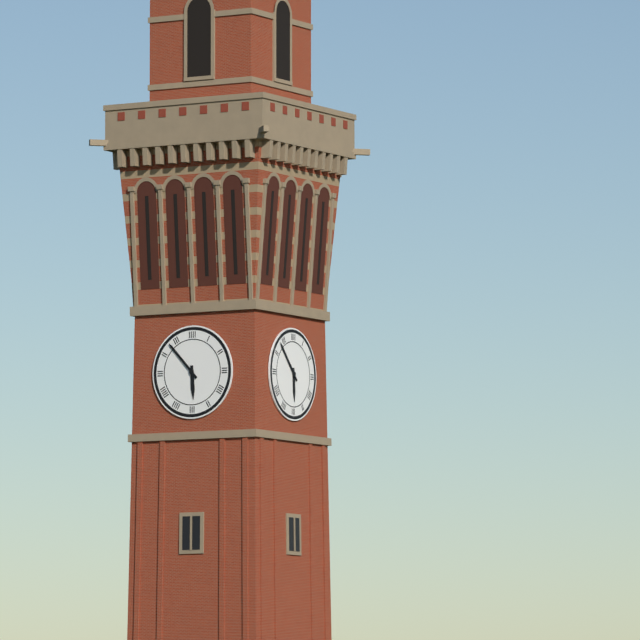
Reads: 5 h 53 min
